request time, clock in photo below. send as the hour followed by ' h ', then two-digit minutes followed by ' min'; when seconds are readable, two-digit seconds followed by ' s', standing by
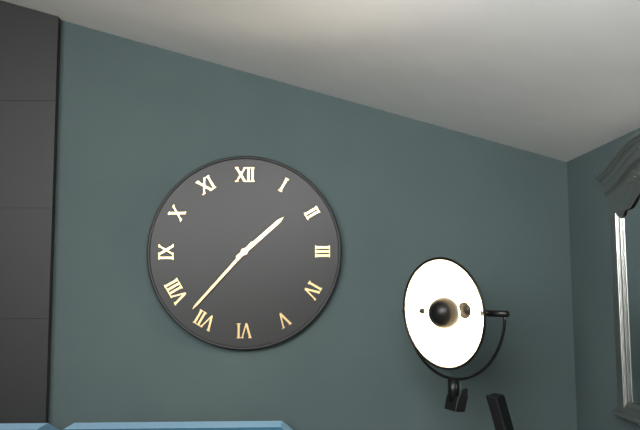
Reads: 1 h 37 min
